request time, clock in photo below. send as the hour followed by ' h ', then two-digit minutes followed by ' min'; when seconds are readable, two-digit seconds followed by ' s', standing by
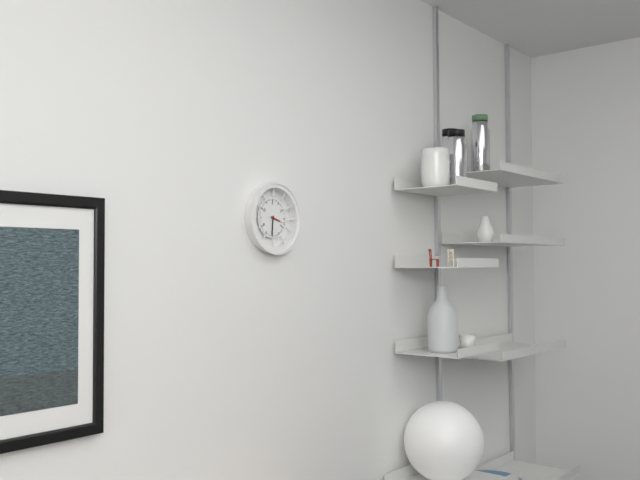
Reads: 3 h 31 min
